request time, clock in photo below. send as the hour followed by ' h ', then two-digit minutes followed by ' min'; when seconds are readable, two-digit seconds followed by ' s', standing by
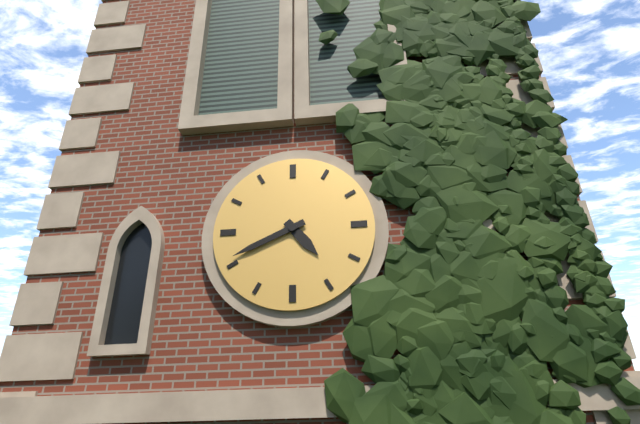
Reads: 4 h 41 min
